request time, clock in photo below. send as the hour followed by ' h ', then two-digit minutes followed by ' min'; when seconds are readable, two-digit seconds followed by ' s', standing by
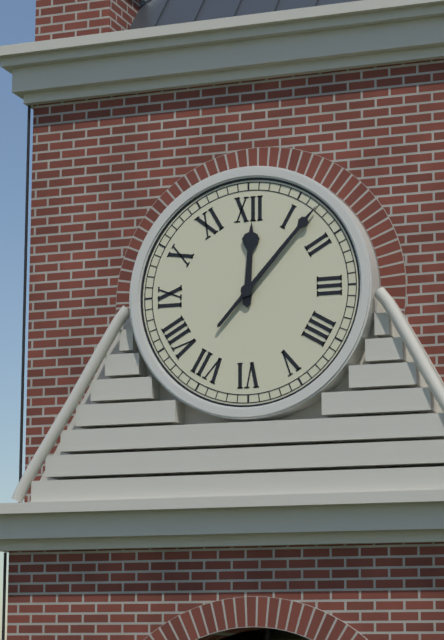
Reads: 12 h 07 min
